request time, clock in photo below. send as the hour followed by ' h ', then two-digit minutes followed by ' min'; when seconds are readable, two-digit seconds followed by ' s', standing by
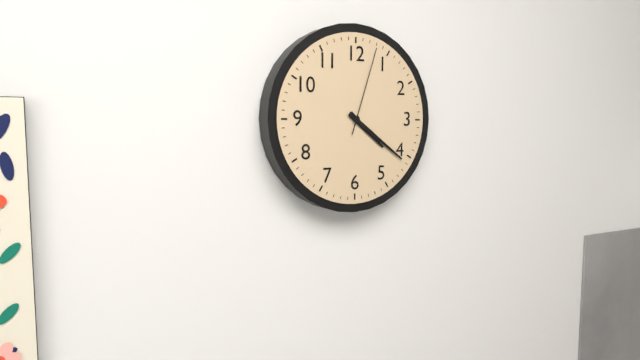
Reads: 4 h 21 min 03 s
